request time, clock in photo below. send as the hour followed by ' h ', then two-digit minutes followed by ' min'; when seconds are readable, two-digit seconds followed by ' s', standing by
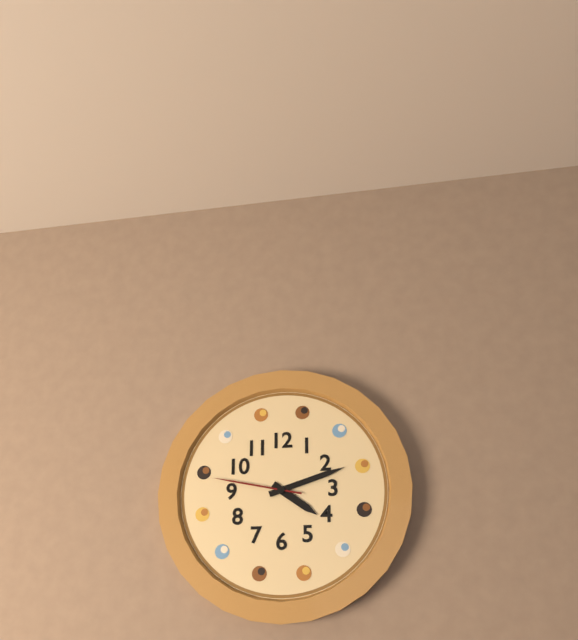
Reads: 4 h 12 min 47 s
